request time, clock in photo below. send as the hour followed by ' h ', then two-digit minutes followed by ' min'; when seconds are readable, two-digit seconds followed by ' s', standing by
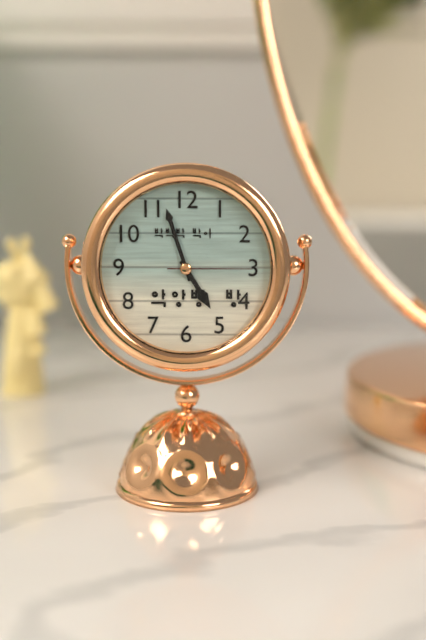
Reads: 4 h 57 min 15 s
